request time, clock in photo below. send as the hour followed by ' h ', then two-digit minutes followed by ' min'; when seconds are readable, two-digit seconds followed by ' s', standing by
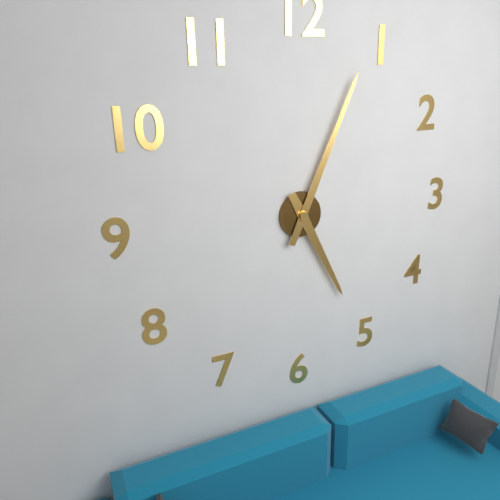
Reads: 5 h 04 min
